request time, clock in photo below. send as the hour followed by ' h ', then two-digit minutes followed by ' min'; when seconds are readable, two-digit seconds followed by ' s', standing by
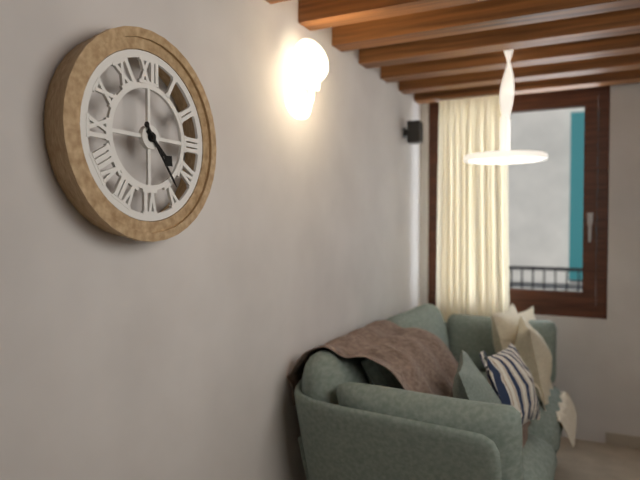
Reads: 4 h 24 min
